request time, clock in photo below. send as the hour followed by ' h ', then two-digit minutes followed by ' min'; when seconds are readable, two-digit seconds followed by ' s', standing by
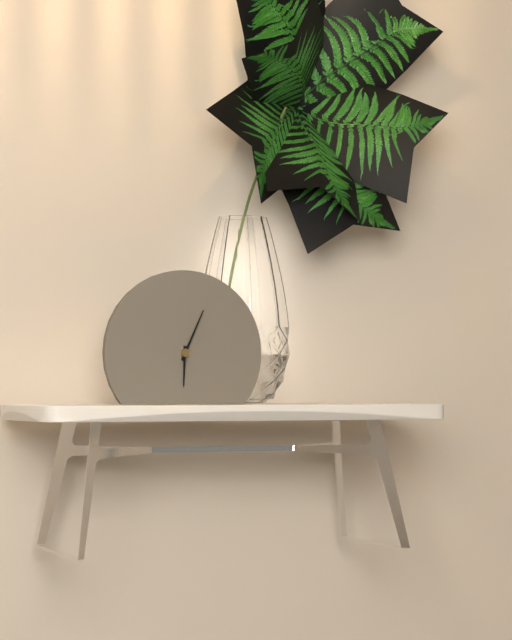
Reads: 6 h 04 min
